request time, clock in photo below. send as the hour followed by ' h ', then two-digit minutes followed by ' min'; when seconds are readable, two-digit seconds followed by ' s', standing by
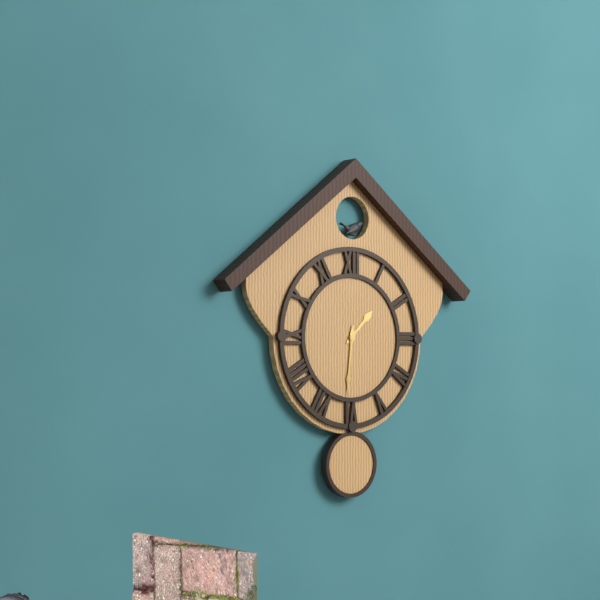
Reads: 1 h 31 min
